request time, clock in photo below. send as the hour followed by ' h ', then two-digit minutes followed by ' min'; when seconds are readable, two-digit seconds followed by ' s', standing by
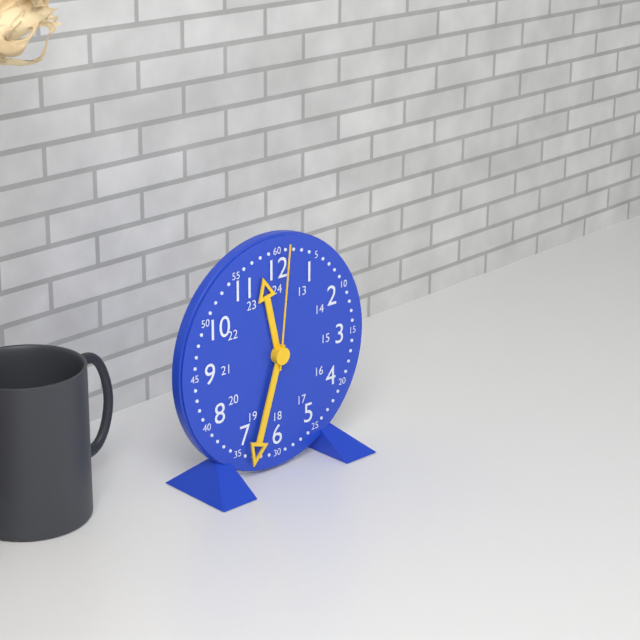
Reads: 11 h 33 min 01 s
